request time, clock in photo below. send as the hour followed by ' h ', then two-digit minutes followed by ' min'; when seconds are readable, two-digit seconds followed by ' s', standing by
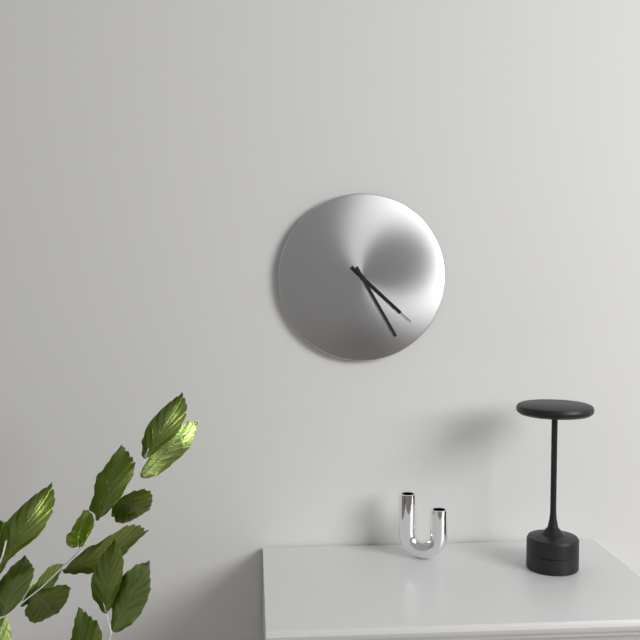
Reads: 4 h 25 min 22 s
